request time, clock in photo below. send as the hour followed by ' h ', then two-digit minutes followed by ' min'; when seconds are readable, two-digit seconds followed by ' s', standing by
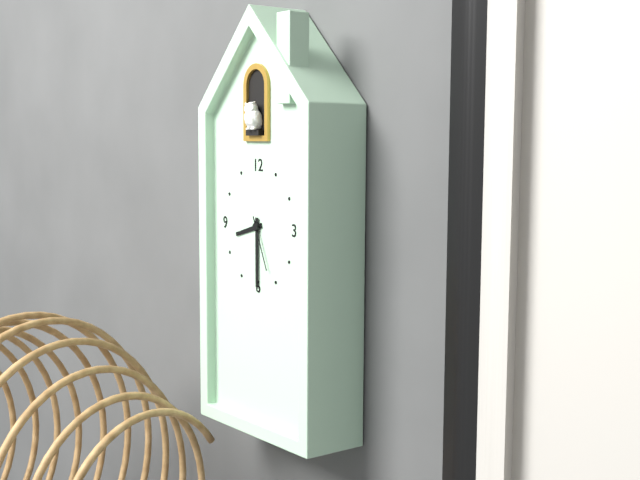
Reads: 8 h 30 min 26 s
